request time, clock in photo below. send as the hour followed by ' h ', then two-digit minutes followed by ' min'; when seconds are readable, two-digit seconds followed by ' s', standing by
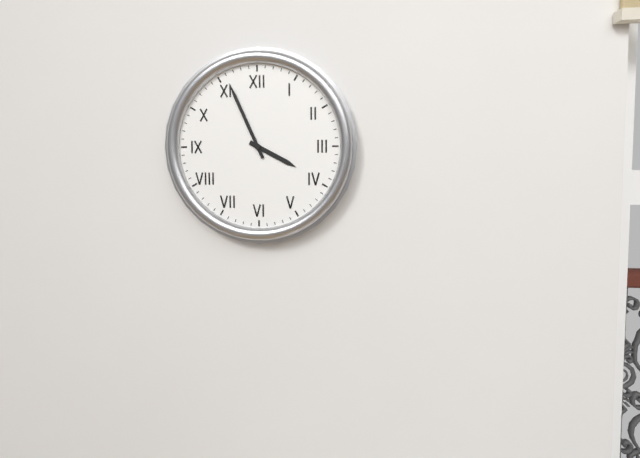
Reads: 3 h 56 min
